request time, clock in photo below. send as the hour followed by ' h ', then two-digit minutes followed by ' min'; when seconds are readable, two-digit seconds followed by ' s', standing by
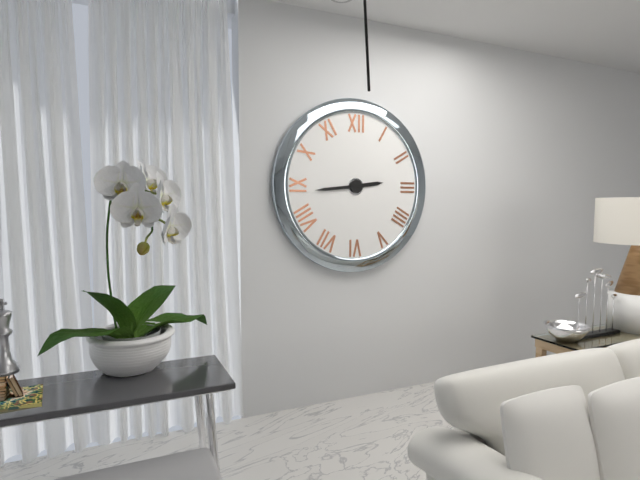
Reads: 2 h 44 min
